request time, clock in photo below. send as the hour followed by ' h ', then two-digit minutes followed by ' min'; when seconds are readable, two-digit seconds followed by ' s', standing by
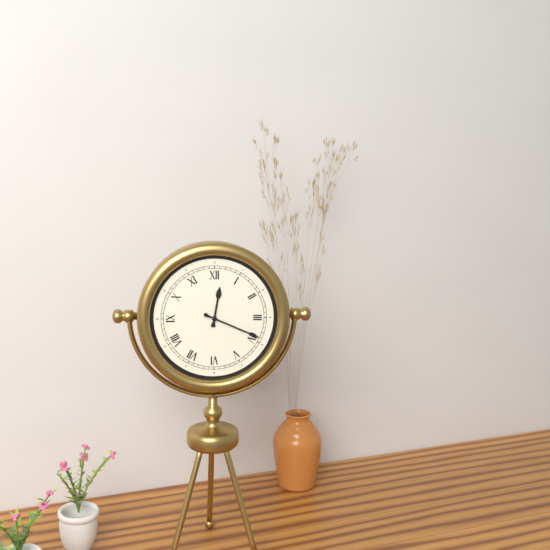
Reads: 12 h 19 min
